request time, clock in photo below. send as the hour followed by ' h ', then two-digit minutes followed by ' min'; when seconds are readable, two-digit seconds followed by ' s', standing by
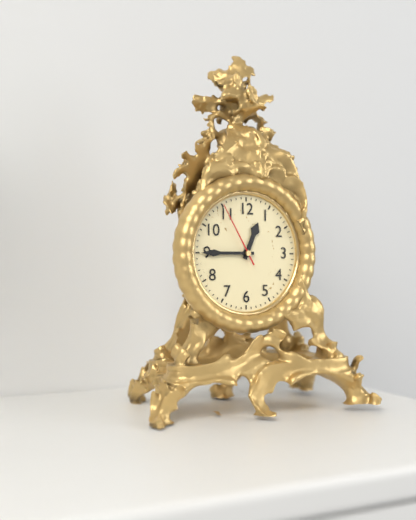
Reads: 12 h 45 min 55 s
